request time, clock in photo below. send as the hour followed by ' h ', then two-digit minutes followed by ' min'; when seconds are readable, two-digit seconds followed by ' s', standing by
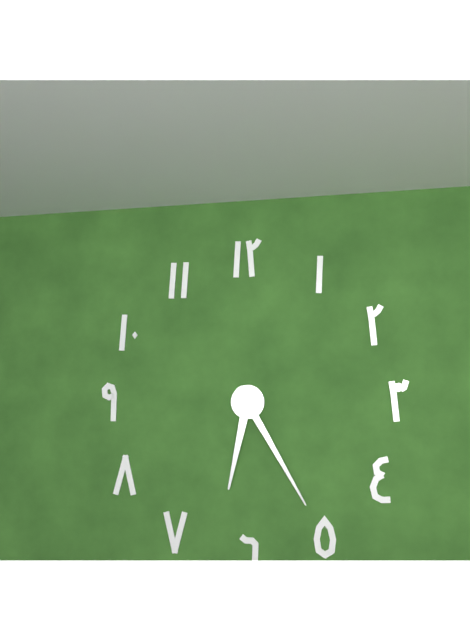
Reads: 6 h 25 min
